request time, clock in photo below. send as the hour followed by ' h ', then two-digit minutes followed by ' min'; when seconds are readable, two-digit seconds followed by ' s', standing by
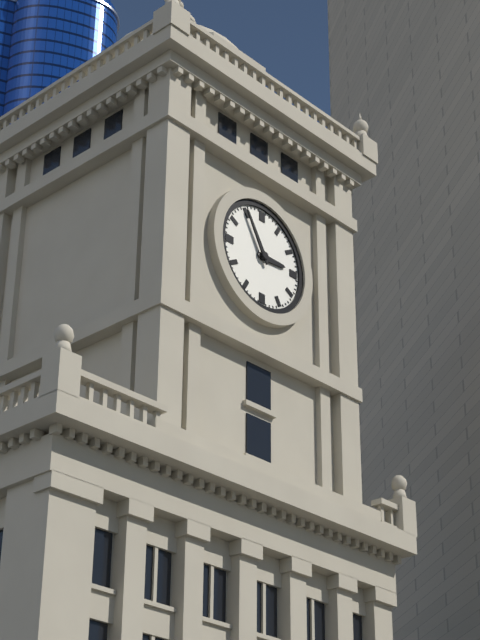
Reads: 2 h 55 min
